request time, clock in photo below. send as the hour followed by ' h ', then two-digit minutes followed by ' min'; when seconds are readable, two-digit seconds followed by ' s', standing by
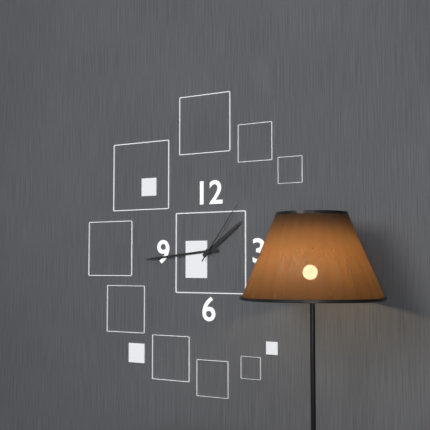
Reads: 1 h 44 min 06 s
